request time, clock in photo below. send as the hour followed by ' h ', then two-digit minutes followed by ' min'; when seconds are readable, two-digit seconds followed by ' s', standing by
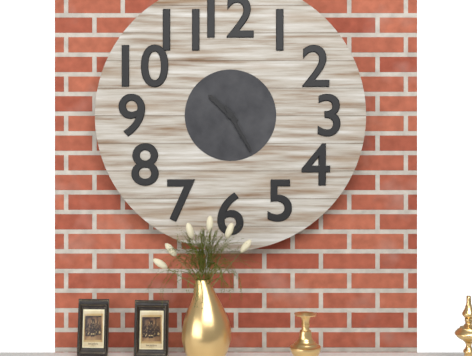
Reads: 10 h 25 min
